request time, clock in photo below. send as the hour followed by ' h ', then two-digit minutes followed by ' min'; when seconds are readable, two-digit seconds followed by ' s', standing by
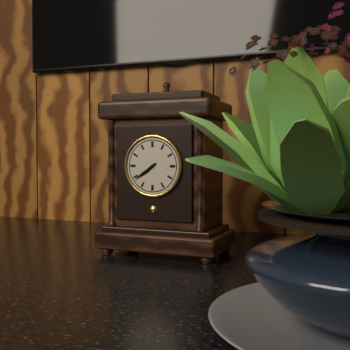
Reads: 7 h 39 min
